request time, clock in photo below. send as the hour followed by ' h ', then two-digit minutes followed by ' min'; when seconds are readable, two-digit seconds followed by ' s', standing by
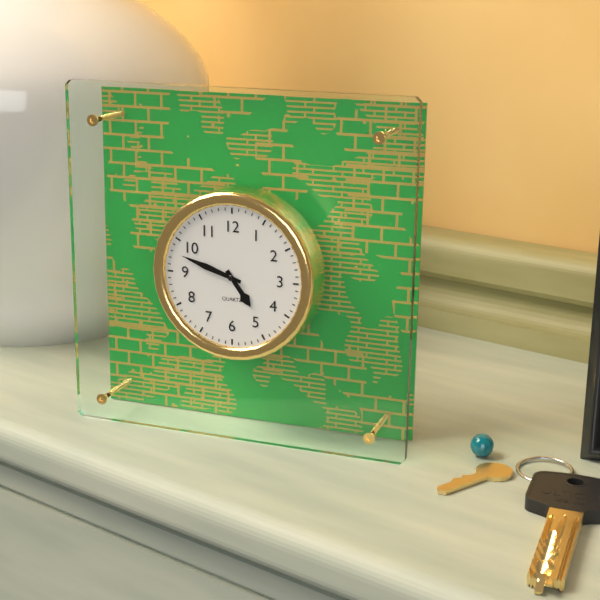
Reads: 4 h 48 min
